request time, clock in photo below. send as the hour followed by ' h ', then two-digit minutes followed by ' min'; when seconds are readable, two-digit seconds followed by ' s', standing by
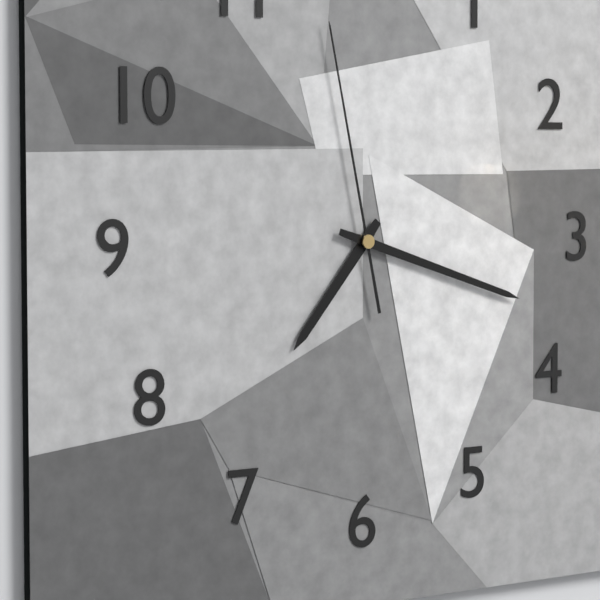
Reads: 7 h 18 min 58 s
